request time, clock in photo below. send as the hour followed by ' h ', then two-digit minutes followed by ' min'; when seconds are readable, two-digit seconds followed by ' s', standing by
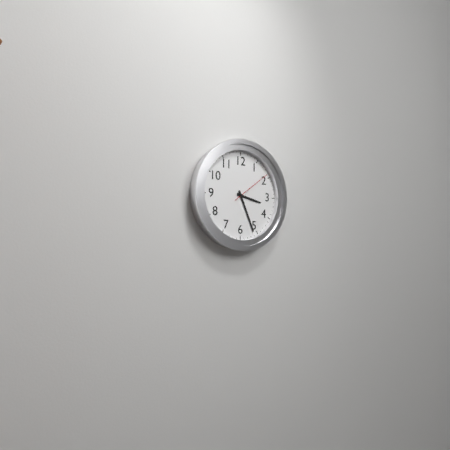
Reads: 3 h 26 min
